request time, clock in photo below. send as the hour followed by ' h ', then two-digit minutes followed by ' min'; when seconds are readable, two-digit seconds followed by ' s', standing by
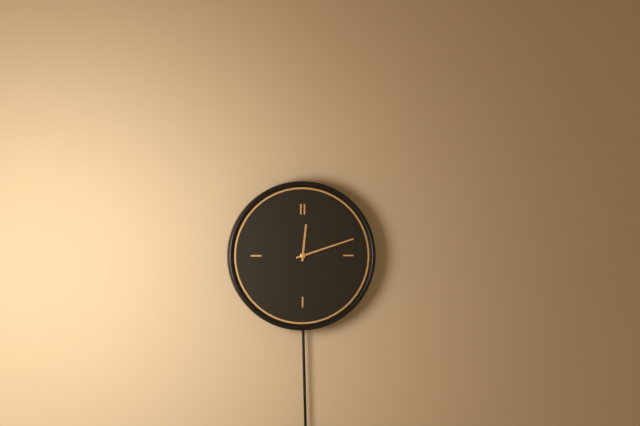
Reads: 12 h 12 min
